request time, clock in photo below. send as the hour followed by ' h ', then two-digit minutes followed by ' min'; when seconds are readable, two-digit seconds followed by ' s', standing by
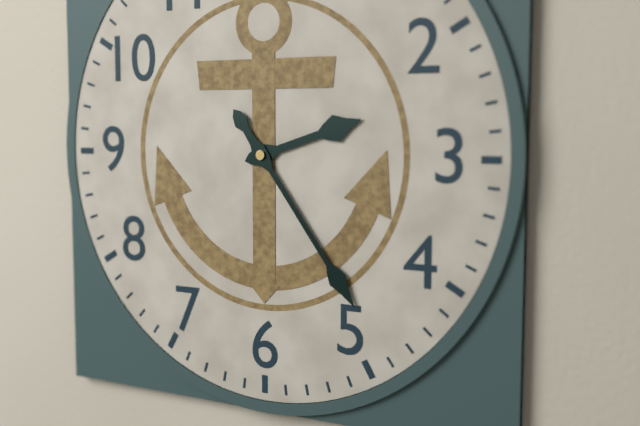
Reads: 2 h 24 min
